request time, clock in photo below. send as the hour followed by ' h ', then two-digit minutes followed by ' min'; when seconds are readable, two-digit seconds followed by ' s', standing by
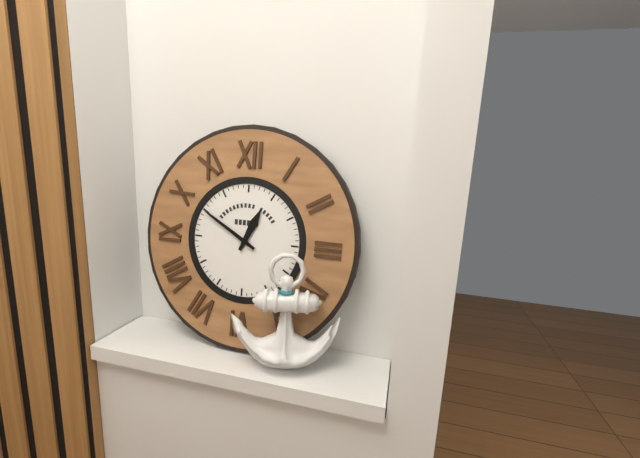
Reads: 12 h 50 min
